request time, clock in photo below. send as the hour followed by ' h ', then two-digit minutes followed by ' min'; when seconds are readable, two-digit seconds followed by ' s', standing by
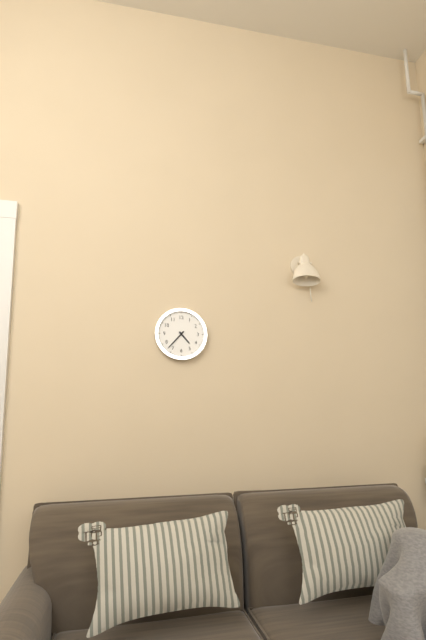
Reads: 4 h 37 min
